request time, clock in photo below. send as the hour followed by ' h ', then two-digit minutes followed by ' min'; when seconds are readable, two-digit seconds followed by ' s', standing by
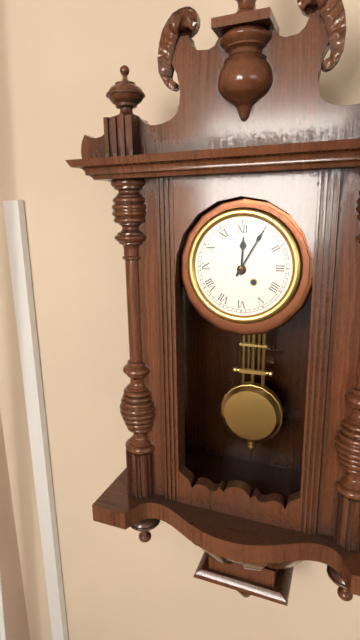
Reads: 12 h 05 min
